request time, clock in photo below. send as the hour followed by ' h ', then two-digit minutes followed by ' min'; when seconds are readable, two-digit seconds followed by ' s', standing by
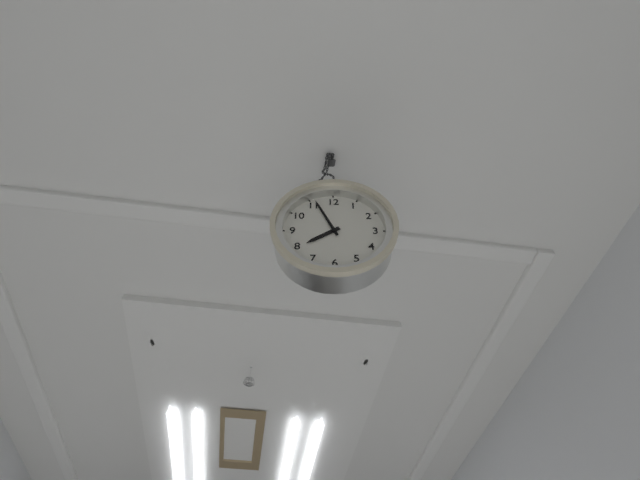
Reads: 7 h 56 min
